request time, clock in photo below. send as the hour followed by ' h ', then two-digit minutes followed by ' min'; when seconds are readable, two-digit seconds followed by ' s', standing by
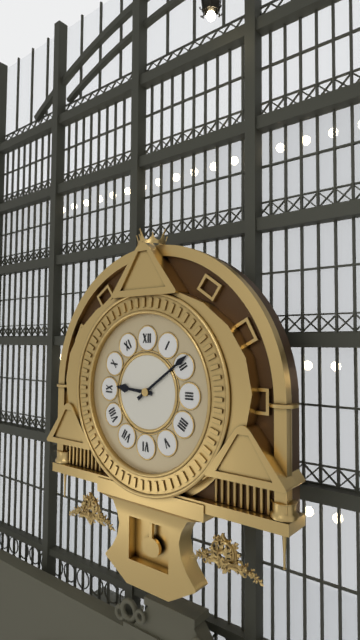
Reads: 9 h 09 min
